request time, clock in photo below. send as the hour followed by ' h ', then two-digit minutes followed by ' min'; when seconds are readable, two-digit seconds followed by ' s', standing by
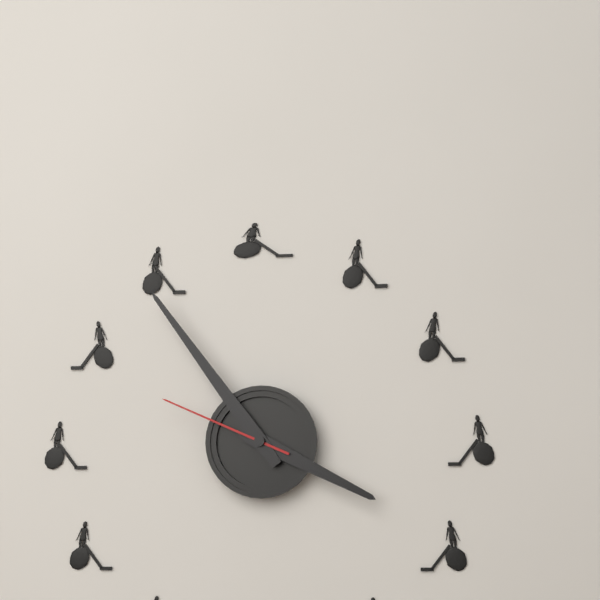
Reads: 3 h 54 min 49 s
